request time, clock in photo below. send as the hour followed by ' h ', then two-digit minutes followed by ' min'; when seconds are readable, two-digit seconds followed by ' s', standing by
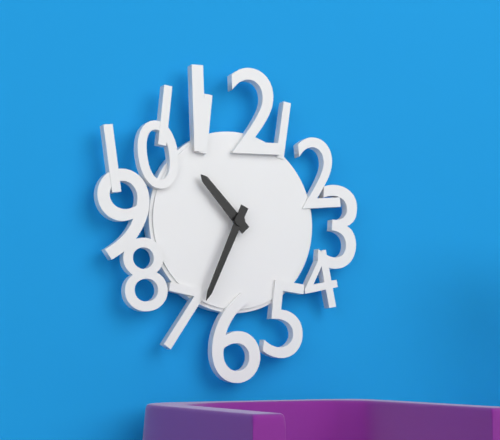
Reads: 10 h 34 min
